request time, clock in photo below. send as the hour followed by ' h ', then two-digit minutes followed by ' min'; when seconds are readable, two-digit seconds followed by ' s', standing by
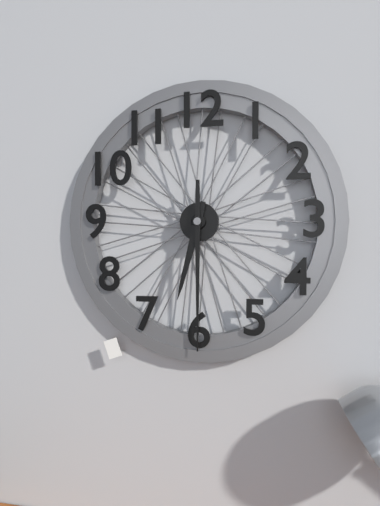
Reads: 6 h 30 min
